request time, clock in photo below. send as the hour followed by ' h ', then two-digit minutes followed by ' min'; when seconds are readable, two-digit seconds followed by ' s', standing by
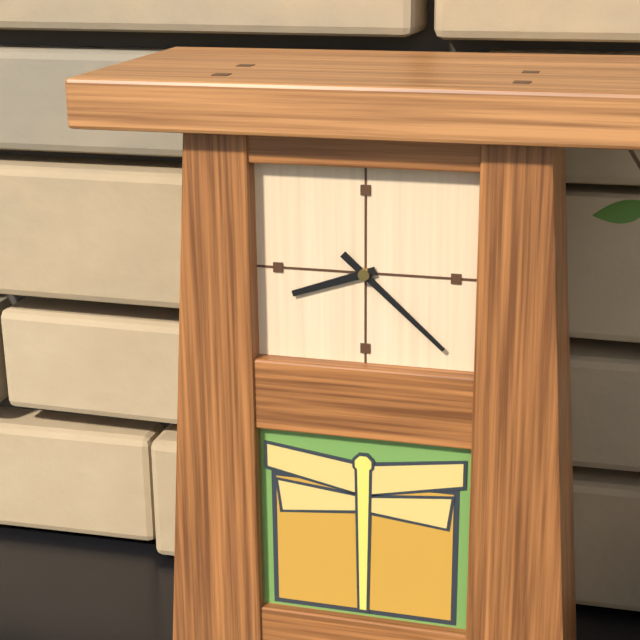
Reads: 8 h 22 min
